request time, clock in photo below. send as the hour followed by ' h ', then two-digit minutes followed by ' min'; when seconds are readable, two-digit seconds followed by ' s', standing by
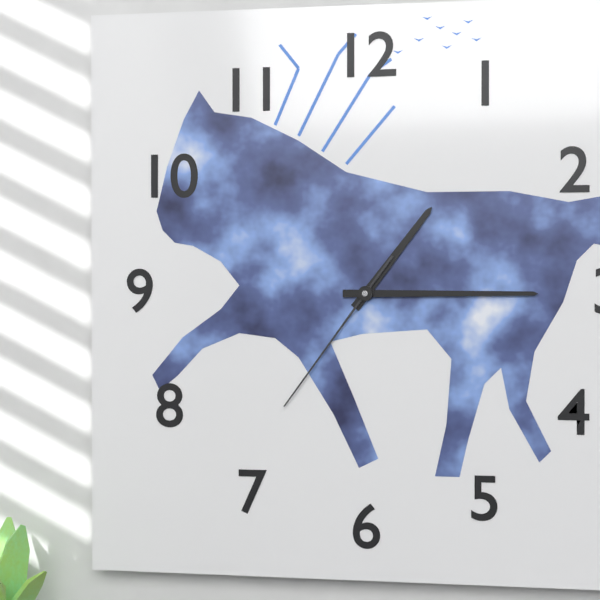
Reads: 1 h 15 min 36 s
